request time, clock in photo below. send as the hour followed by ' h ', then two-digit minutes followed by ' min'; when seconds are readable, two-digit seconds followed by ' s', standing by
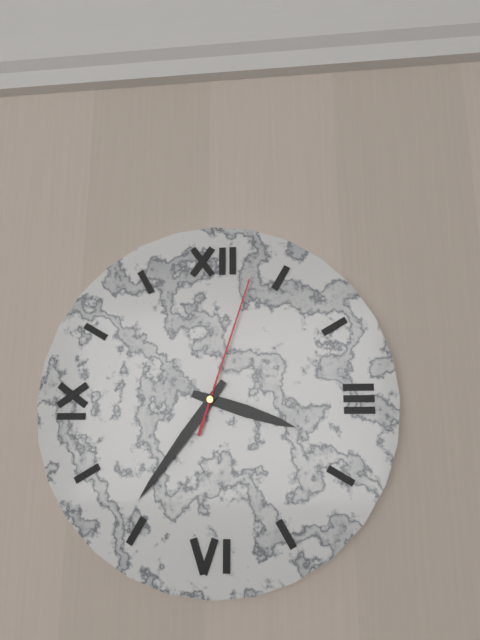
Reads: 3 h 36 min 03 s
